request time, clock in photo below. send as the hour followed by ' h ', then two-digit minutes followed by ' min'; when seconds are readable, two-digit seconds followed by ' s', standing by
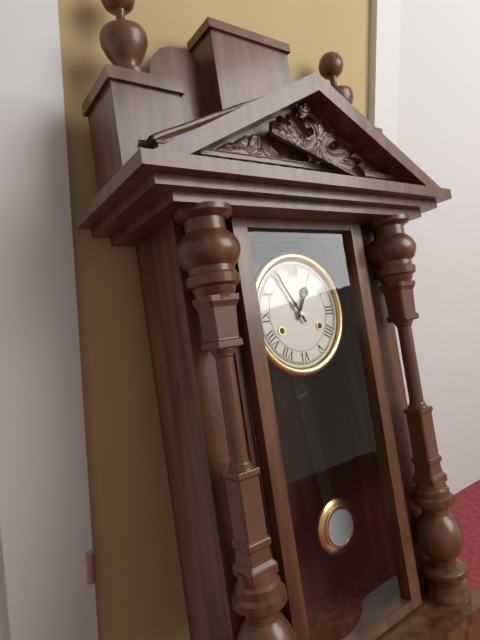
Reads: 12 h 55 min
